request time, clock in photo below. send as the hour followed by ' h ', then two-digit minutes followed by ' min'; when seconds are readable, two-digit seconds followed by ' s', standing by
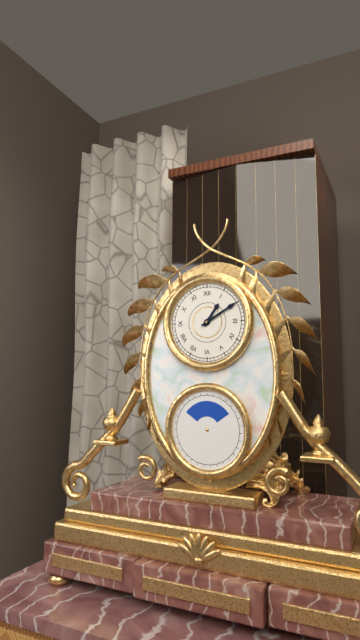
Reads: 1 h 10 min
